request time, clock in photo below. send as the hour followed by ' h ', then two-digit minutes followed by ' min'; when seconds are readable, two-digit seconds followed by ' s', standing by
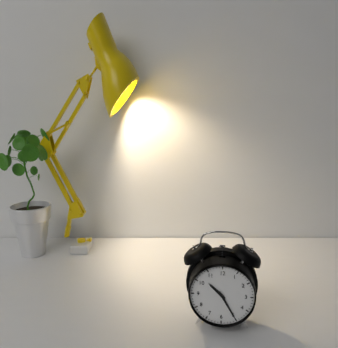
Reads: 10 h 25 min
